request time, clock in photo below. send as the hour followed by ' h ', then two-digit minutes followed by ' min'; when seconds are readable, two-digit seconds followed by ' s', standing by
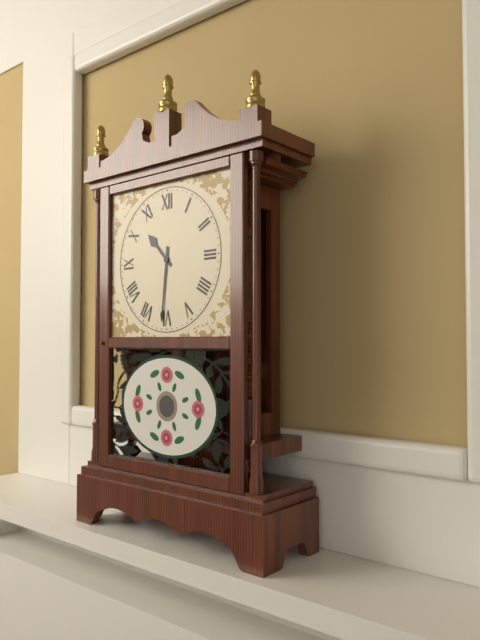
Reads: 10 h 31 min
